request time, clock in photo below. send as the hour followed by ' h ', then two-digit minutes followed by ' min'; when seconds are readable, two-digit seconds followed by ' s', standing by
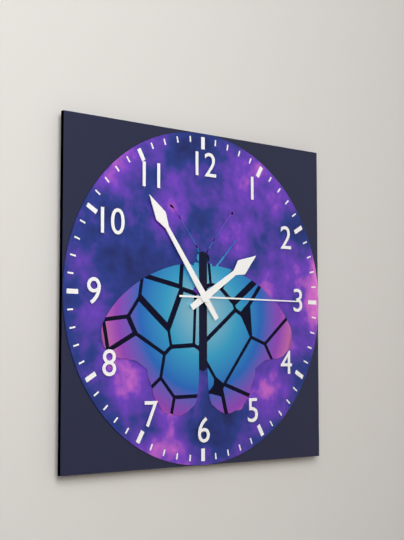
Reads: 1 h 54 min 15 s
